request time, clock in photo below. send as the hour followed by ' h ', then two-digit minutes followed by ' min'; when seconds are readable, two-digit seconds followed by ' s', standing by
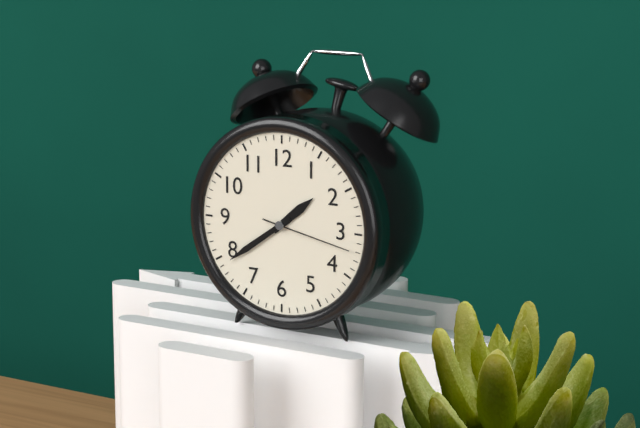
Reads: 1 h 39 min 17 s
